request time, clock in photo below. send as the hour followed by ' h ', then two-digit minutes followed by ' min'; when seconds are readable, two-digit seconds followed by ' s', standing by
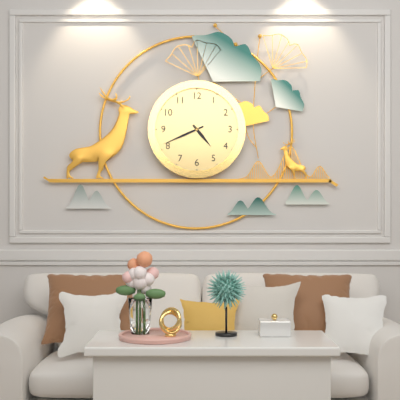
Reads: 4 h 41 min
